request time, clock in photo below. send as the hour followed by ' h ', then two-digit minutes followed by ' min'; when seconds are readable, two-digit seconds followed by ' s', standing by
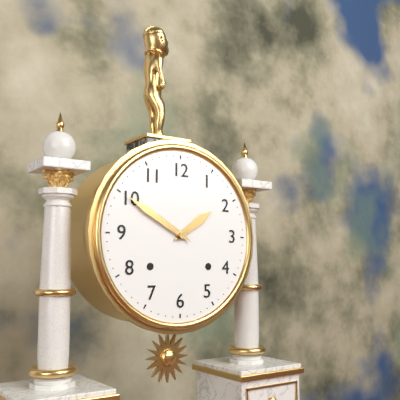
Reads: 1 h 50 min
